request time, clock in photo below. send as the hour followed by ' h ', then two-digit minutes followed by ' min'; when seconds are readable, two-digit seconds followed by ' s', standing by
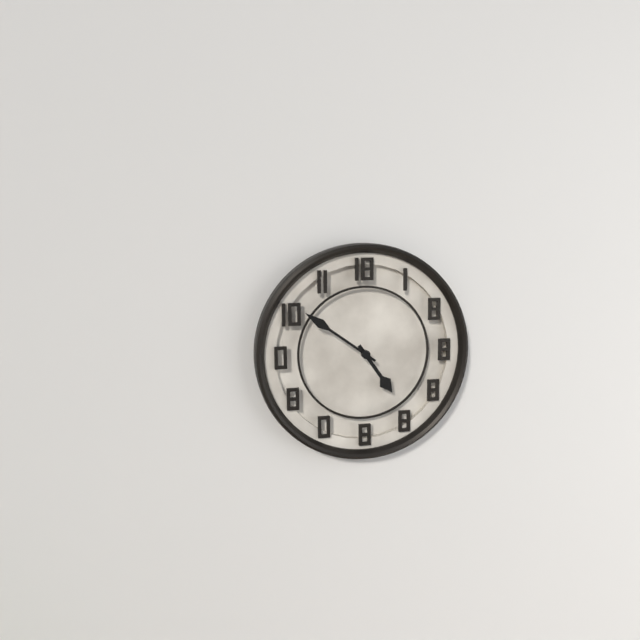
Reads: 4 h 51 min
